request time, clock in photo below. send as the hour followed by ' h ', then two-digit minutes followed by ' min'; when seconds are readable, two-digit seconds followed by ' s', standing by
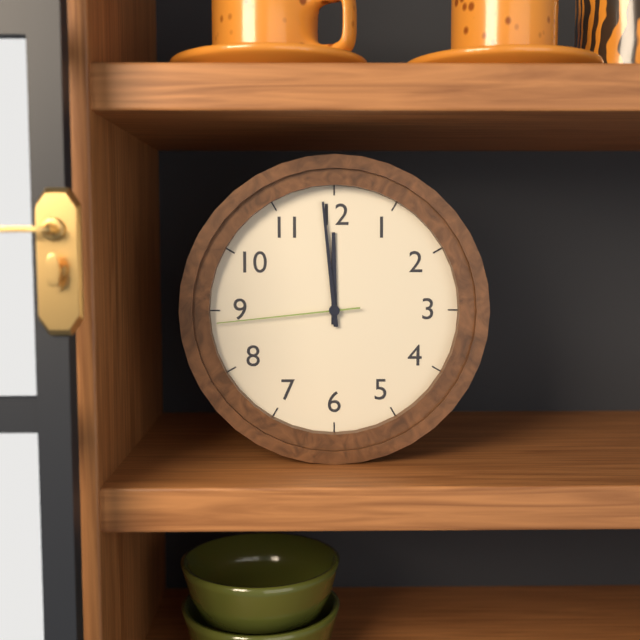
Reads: 11 h 59 min 44 s
